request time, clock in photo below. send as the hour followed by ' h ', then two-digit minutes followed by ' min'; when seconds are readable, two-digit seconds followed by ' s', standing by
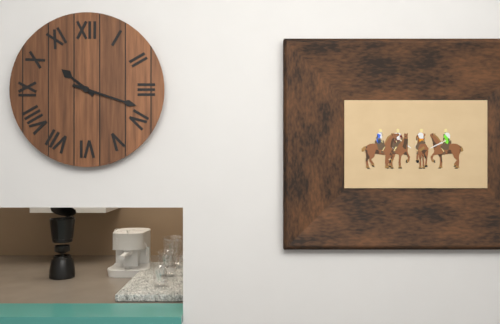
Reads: 10 h 18 min
